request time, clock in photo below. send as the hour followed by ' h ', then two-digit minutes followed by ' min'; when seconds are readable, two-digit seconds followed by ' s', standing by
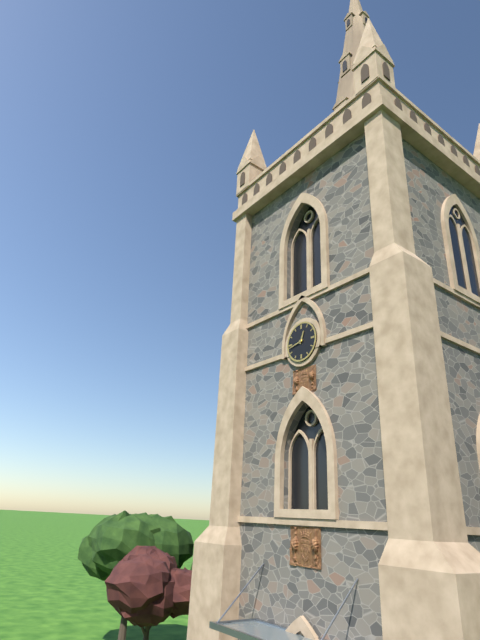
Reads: 12 h 43 min
